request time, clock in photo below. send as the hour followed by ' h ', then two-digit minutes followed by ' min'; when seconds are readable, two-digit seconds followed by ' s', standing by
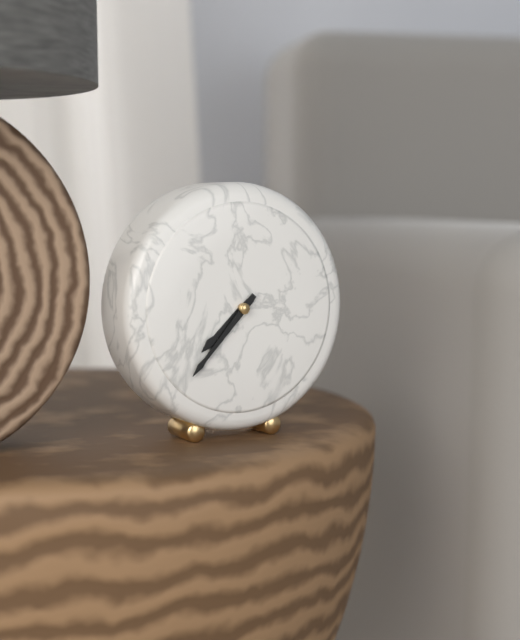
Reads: 7 h 37 min
